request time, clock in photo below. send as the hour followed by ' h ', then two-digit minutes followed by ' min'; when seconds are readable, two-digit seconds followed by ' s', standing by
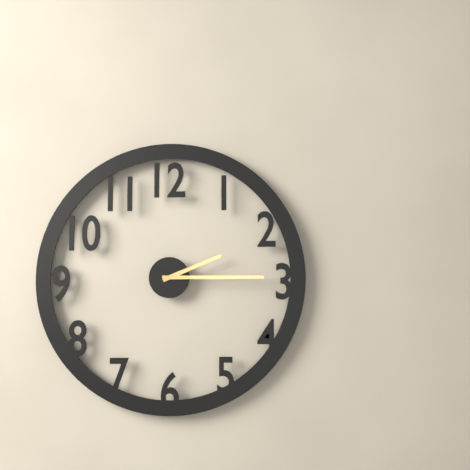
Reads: 2 h 15 min
